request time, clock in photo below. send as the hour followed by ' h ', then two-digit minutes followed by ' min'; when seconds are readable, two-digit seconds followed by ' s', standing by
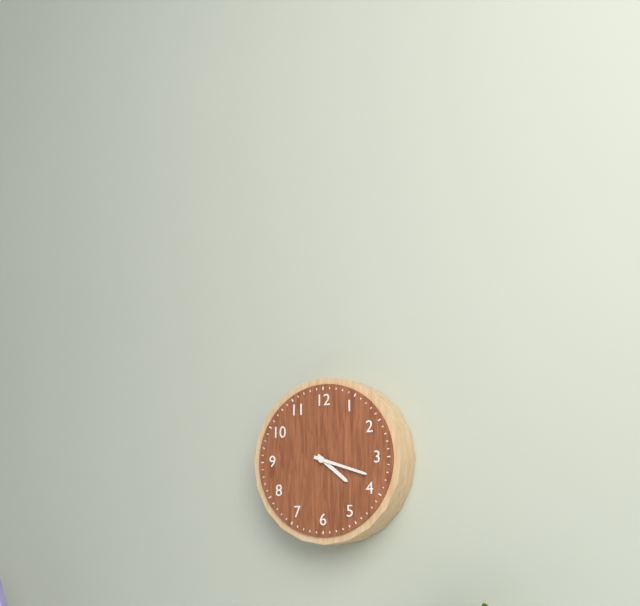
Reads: 4 h 18 min
